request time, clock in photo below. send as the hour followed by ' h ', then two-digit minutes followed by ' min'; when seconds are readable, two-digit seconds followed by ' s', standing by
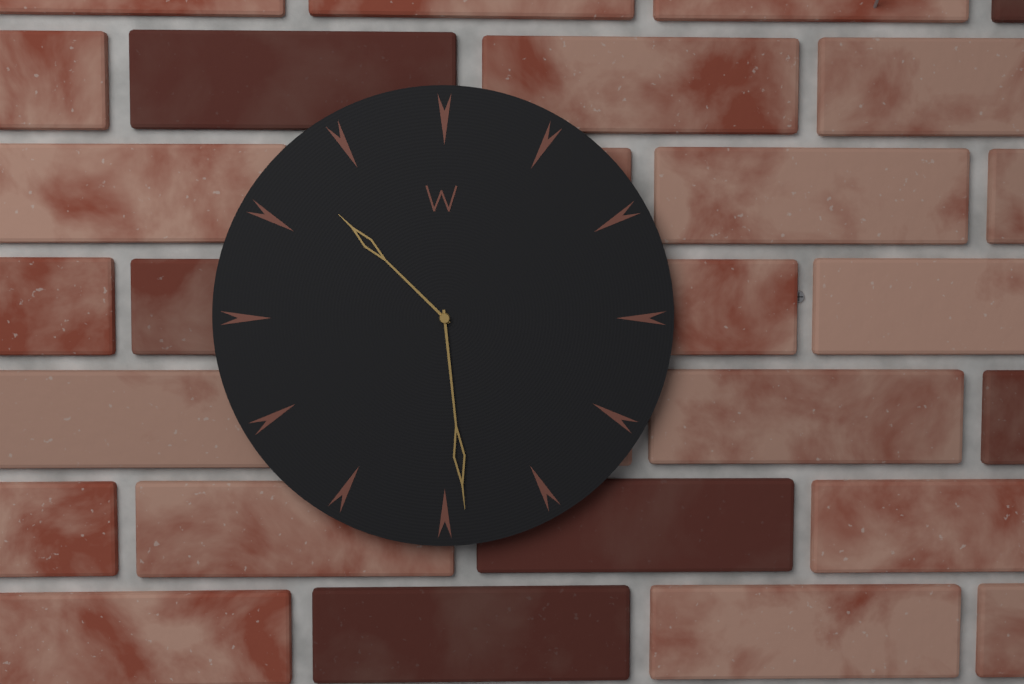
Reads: 10 h 29 min
